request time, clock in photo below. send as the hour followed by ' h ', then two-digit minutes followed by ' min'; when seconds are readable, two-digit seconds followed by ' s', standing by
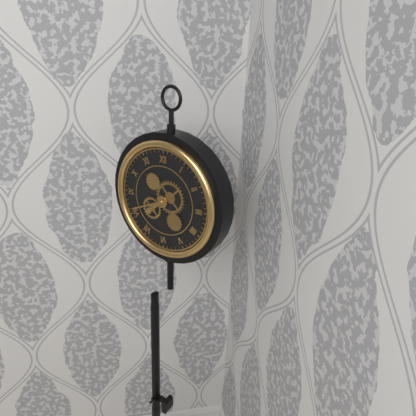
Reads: 7 h 41 min
